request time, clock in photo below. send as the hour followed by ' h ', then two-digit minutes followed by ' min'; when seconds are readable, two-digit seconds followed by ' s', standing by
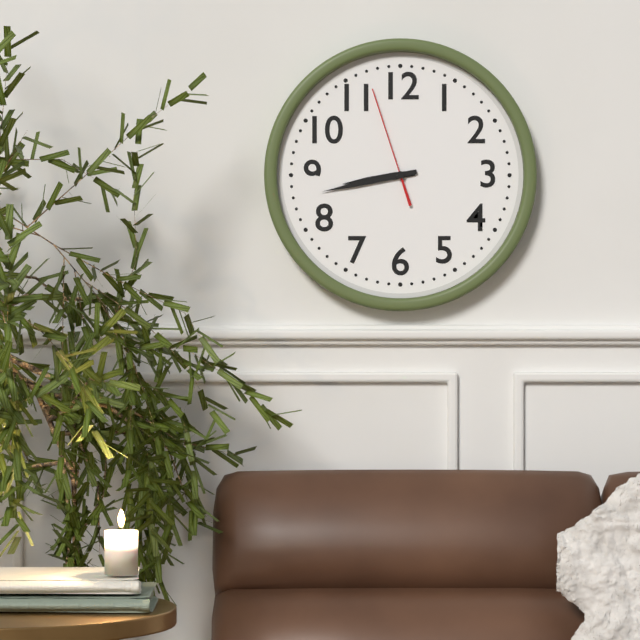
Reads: 8 h 43 min 57 s
